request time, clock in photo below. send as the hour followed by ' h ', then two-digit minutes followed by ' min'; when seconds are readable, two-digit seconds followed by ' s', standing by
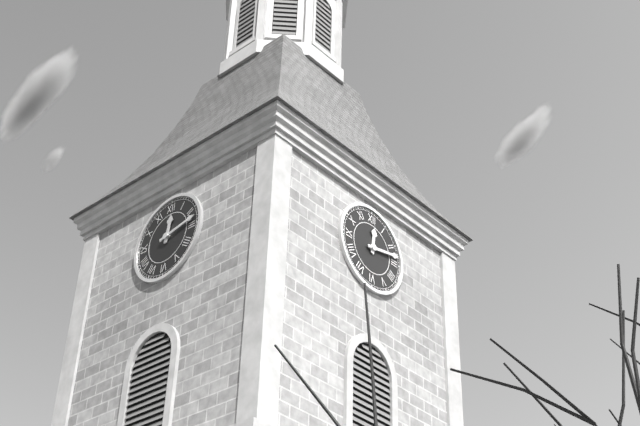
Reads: 12 h 13 min
